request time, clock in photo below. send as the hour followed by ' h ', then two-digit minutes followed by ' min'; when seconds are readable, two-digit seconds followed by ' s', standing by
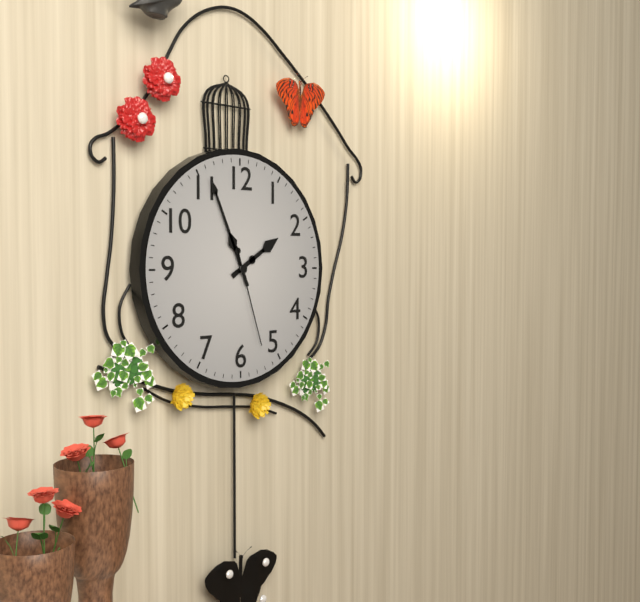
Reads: 1 h 56 min 27 s
